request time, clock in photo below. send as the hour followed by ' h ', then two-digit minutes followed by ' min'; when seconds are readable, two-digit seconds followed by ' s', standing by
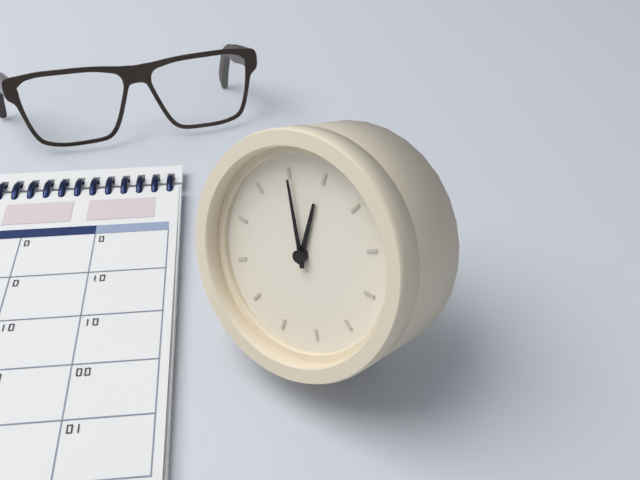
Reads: 11 h 55 min
